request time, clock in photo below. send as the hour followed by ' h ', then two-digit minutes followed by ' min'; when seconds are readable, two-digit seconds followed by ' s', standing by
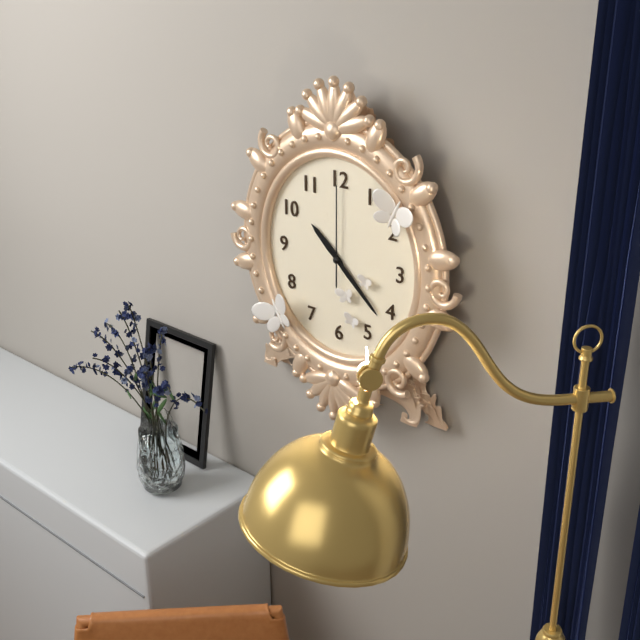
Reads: 10 h 22 min 00 s
